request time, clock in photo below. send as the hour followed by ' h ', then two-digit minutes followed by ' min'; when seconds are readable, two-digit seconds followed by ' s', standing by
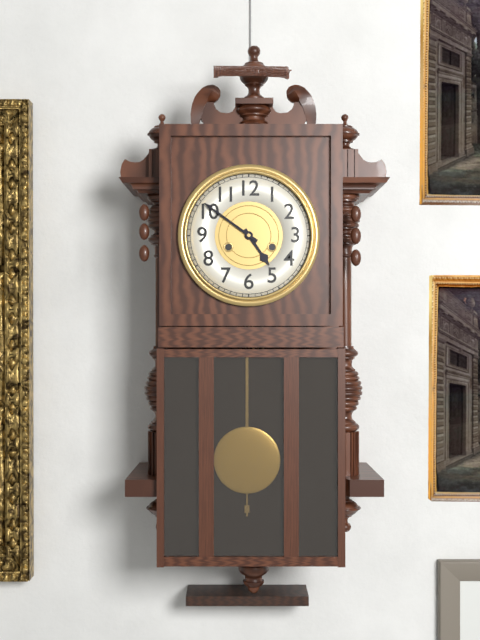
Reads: 4 h 51 min
